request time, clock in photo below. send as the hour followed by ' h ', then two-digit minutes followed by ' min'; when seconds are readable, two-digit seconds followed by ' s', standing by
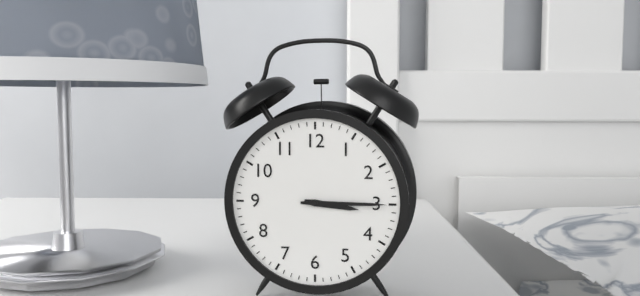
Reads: 3 h 15 min
